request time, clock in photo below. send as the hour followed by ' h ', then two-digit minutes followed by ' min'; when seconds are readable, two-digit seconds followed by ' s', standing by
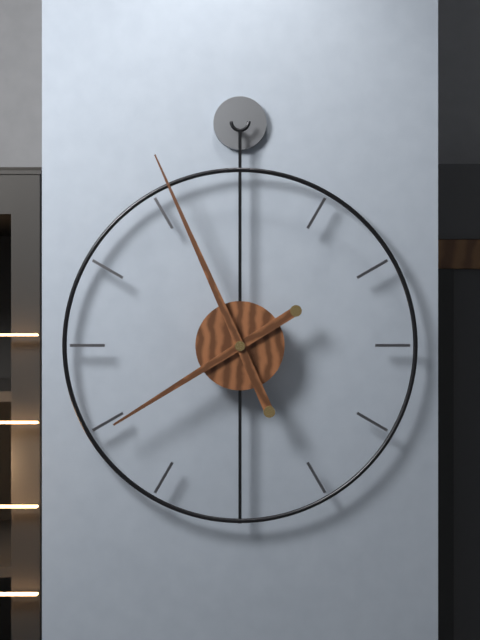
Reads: 7 h 56 min
